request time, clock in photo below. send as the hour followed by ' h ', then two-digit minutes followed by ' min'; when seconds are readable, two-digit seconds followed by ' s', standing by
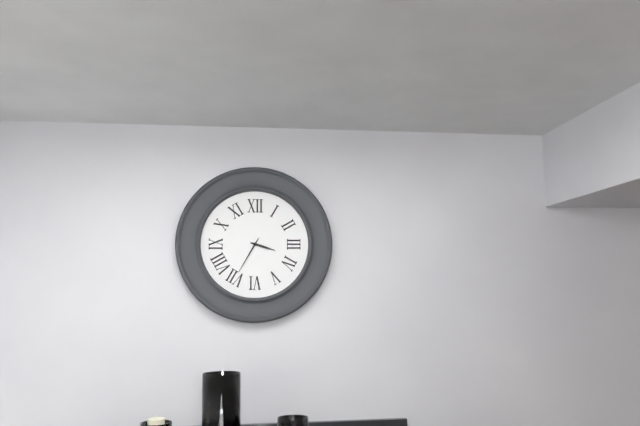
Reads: 3 h 35 min
